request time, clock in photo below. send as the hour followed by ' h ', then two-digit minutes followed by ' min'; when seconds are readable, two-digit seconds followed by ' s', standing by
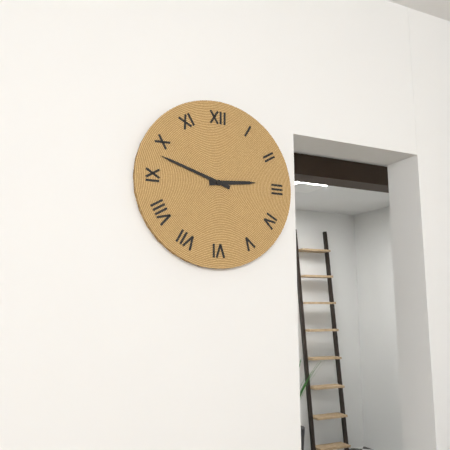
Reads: 2 h 48 min
